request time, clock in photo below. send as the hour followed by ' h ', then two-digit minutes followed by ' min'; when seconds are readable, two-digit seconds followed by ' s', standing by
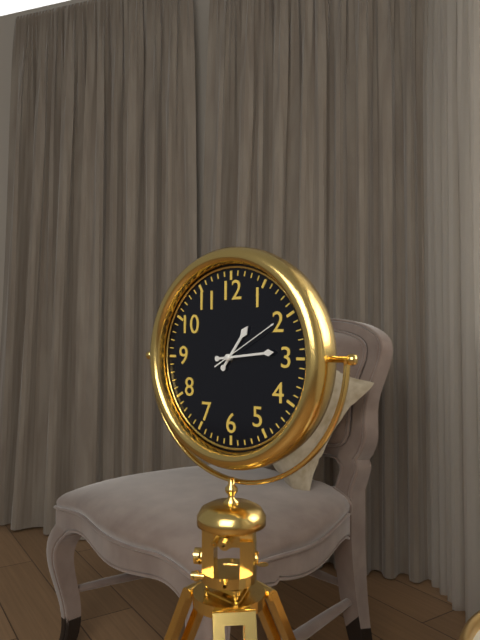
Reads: 1 h 14 min 10 s
